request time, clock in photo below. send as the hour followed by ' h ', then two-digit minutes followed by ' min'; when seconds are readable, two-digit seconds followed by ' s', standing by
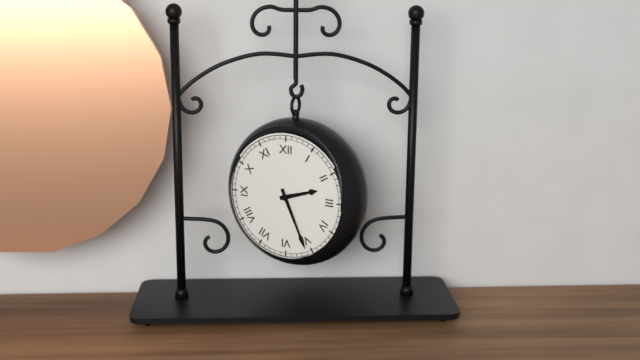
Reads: 2 h 26 min
